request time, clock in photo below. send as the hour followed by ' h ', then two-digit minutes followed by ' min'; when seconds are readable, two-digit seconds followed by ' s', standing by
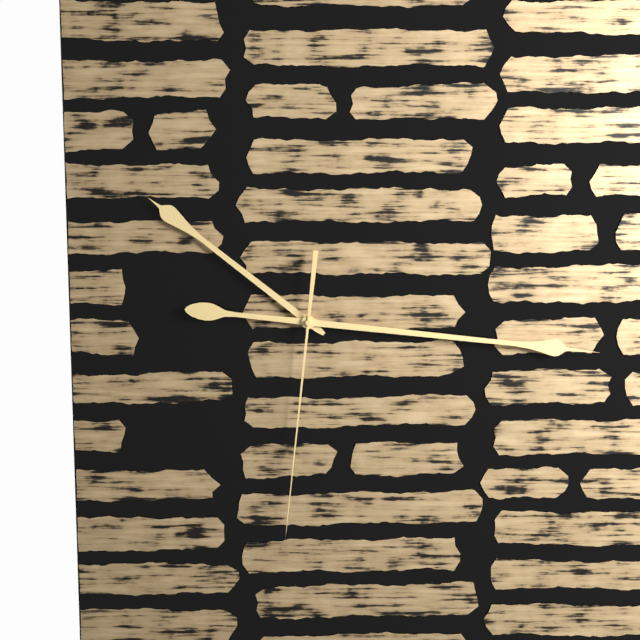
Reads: 10 h 16 min 31 s
